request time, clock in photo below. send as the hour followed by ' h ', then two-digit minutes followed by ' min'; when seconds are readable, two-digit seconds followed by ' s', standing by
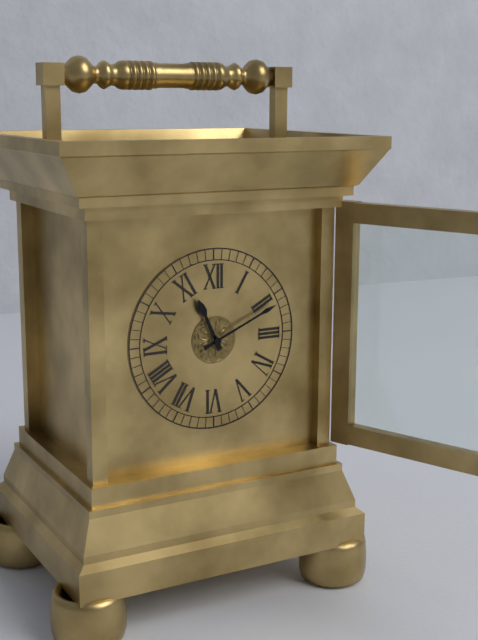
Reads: 11 h 11 min
